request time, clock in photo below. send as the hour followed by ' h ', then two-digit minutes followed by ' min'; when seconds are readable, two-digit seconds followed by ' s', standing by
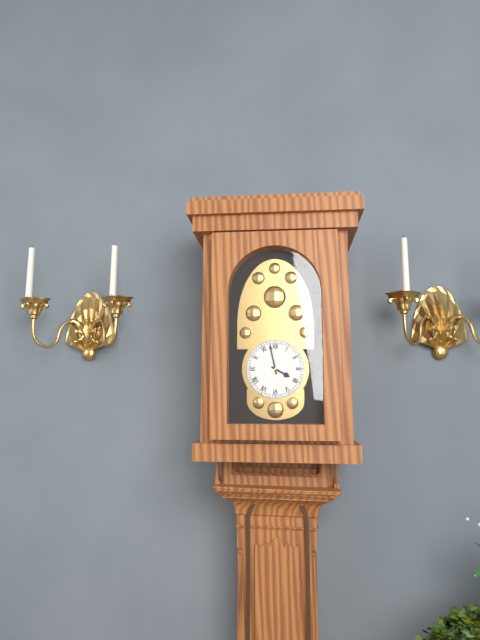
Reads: 3 h 58 min
